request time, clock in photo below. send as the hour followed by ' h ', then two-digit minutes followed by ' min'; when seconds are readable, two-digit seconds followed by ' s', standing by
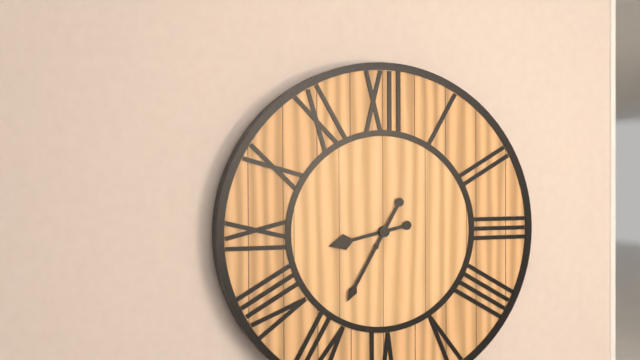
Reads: 8 h 35 min
